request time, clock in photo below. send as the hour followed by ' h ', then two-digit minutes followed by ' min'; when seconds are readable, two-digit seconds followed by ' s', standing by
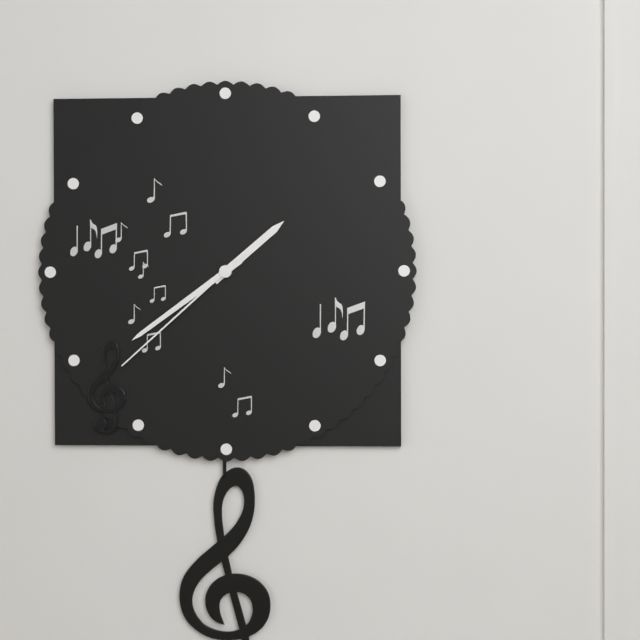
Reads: 1 h 39 min 38 s
